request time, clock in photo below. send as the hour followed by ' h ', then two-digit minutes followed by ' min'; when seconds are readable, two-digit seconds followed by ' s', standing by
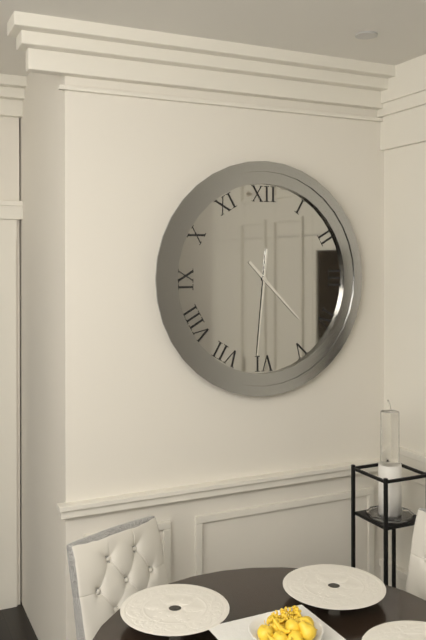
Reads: 4 h 31 min
